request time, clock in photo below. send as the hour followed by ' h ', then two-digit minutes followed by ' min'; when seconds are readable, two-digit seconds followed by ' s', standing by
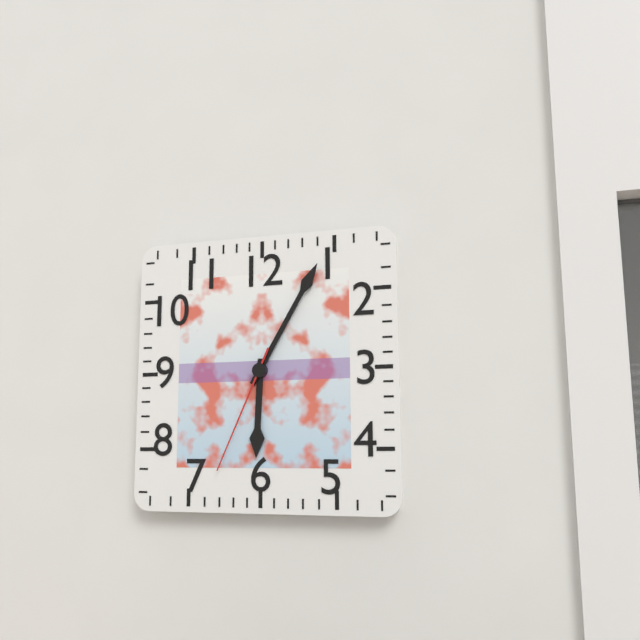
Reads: 6 h 05 min 34 s
